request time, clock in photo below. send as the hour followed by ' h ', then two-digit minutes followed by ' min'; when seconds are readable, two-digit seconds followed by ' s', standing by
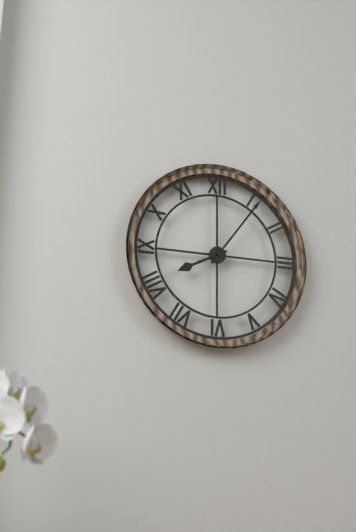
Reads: 8 h 06 min
